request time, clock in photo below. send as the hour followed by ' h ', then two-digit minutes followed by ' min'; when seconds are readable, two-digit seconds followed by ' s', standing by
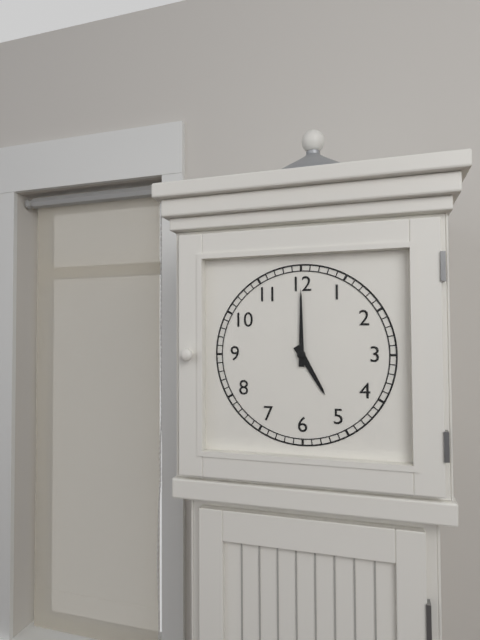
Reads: 5 h 00 min
